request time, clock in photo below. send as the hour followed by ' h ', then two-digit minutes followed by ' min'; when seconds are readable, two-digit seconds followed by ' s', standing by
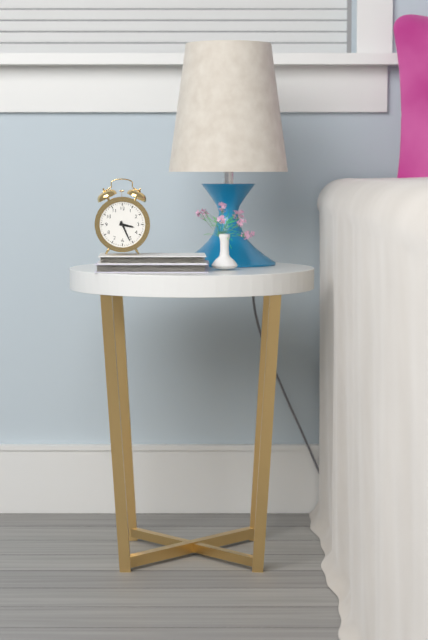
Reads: 3 h 26 min
